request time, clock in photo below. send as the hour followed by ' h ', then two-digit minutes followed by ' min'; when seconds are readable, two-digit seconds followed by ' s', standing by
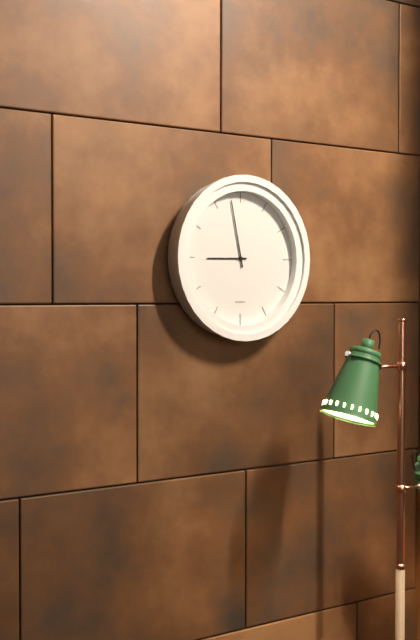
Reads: 8 h 58 min
